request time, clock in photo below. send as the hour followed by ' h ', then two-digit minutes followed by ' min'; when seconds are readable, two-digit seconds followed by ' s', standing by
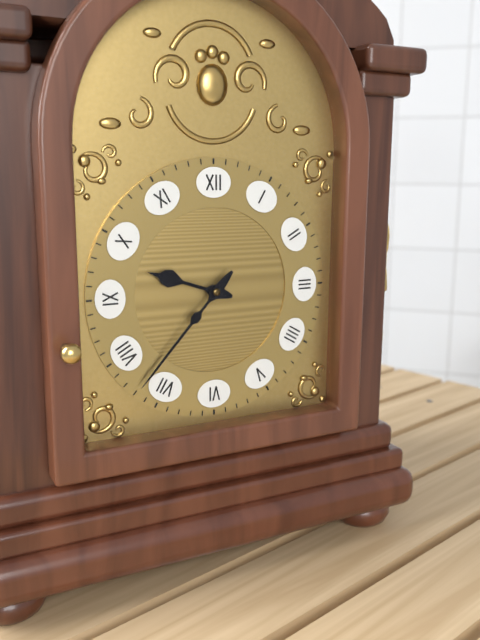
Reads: 9 h 37 min
